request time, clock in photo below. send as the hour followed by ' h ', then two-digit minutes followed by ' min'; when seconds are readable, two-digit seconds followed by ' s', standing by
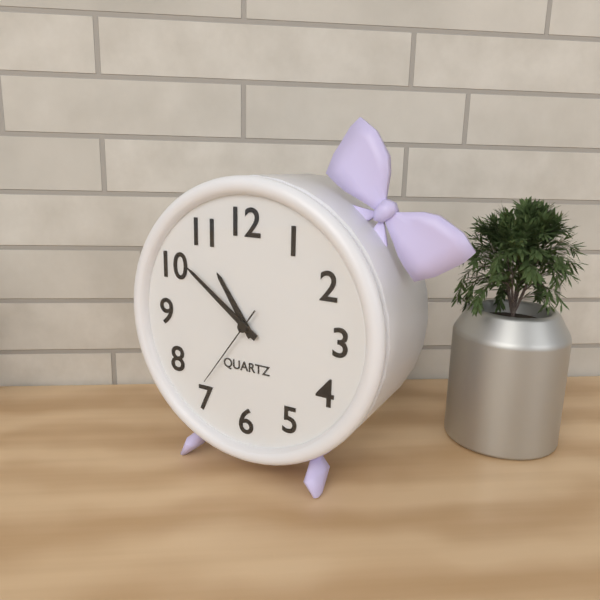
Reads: 10 h 51 min 36 s
